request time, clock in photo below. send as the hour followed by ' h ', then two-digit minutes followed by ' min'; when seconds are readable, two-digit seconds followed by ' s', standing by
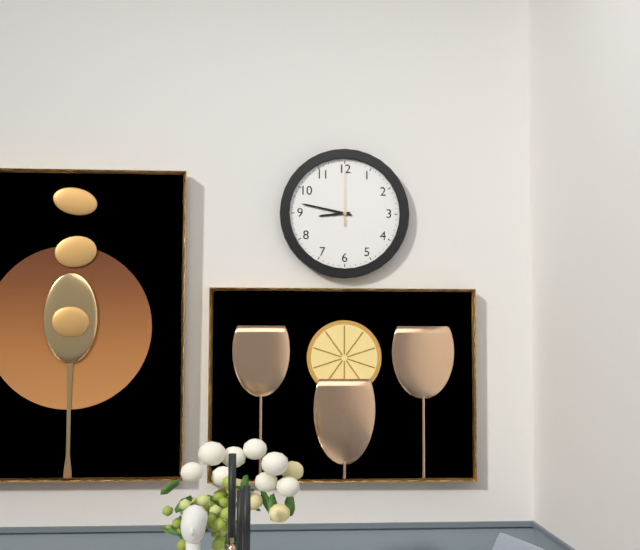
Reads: 8 h 47 min 00 s
